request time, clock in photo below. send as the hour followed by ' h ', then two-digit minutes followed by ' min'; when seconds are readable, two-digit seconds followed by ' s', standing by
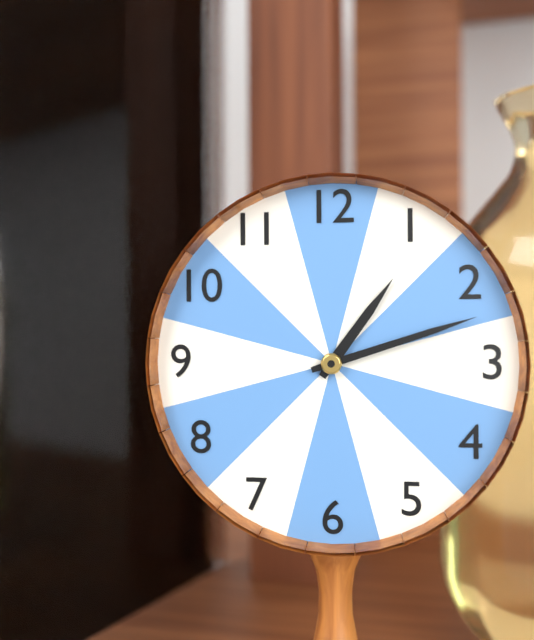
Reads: 1 h 12 min
